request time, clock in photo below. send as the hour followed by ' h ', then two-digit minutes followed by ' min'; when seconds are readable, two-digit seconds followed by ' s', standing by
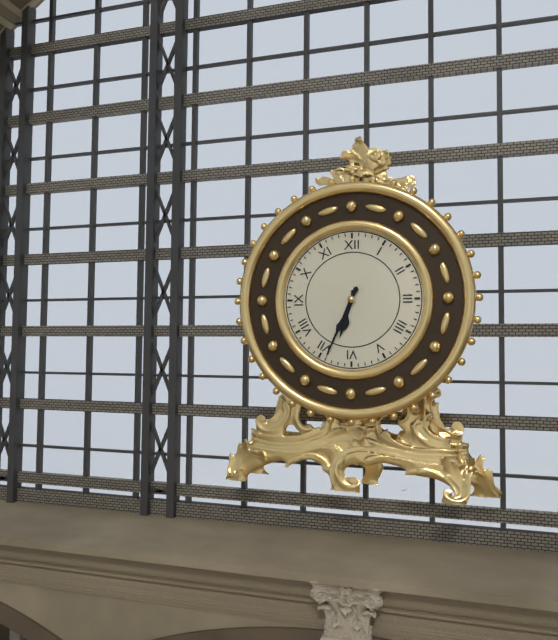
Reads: 6 h 34 min
